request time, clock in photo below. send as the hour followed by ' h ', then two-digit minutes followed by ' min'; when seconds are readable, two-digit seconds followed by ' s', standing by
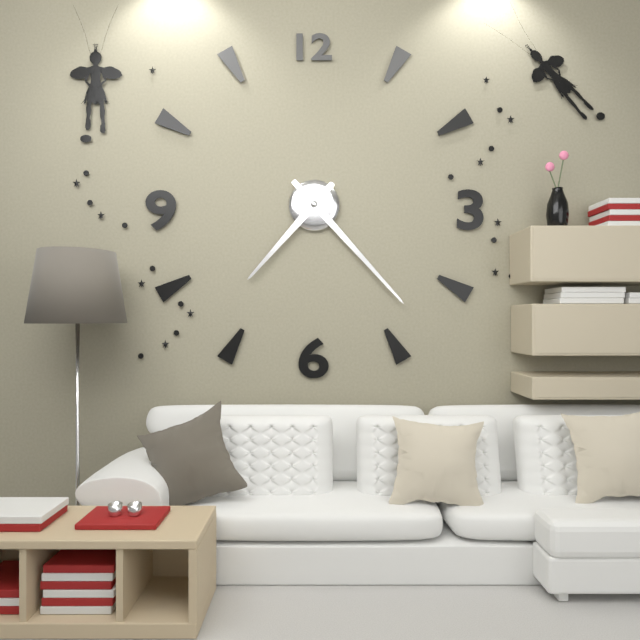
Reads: 7 h 23 min
